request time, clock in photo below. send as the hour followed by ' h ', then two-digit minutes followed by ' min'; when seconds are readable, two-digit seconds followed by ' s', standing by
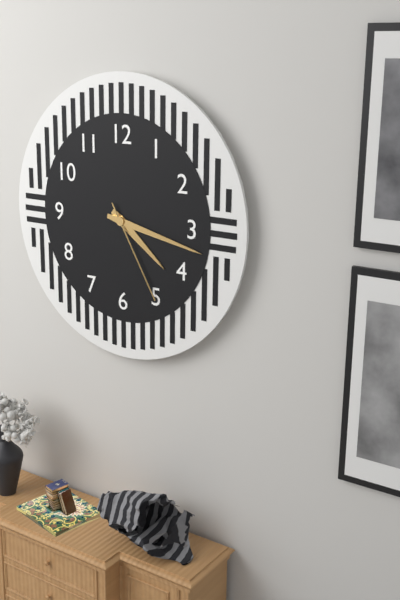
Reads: 4 h 17 min 25 s
